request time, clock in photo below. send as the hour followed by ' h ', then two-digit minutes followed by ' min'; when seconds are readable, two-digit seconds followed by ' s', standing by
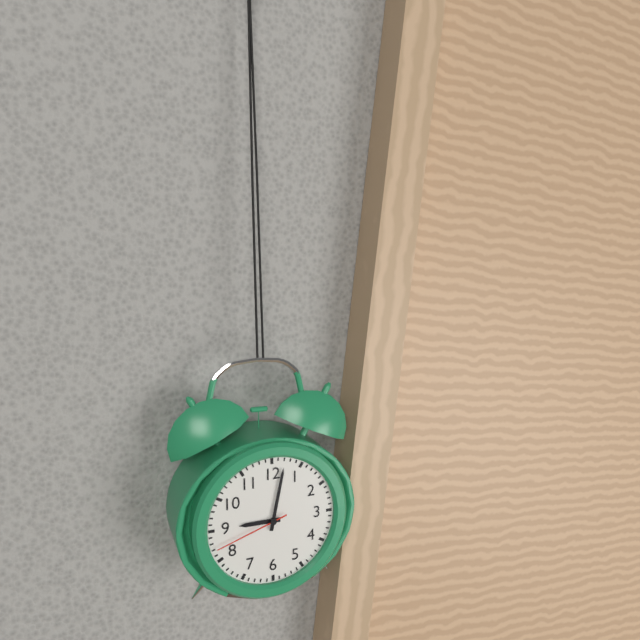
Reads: 9 h 02 min 42 s
